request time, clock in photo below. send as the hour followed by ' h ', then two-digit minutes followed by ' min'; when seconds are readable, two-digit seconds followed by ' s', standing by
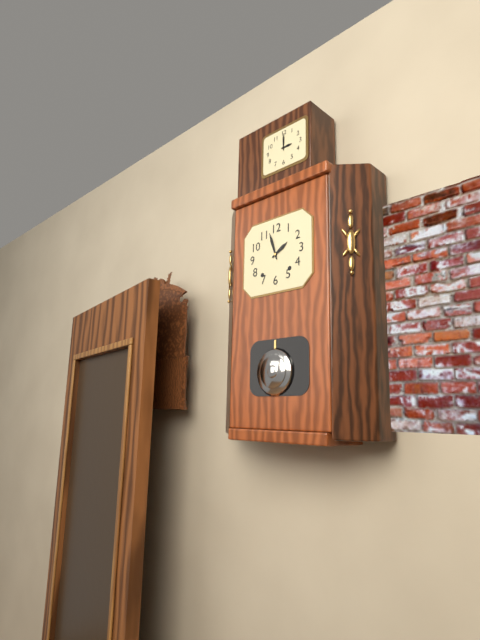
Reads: 1 h 57 min
